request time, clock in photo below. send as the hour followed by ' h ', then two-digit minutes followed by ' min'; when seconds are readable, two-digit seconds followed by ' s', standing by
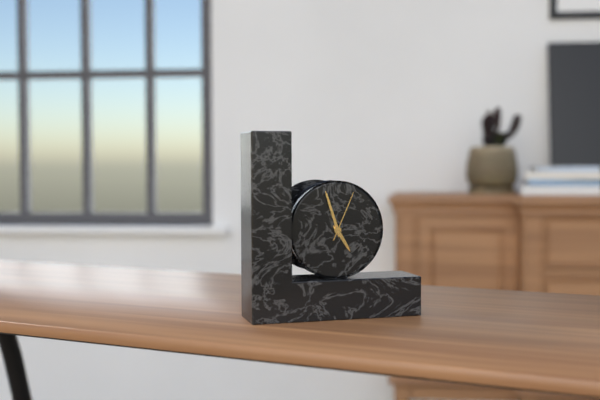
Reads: 4 h 57 min 04 s
